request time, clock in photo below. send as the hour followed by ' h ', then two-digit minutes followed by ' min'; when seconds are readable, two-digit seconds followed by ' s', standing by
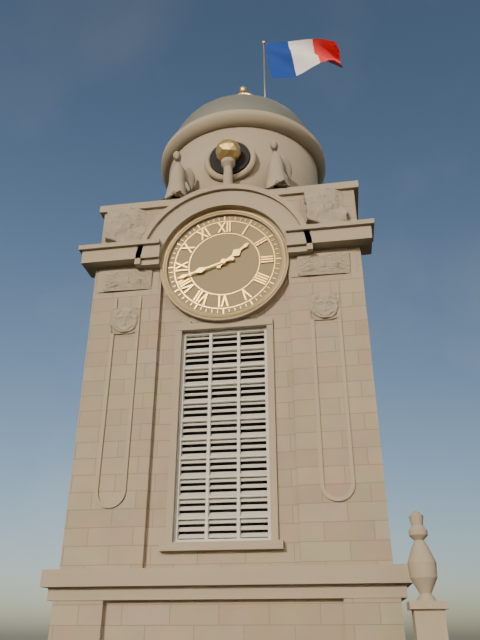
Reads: 1 h 42 min
